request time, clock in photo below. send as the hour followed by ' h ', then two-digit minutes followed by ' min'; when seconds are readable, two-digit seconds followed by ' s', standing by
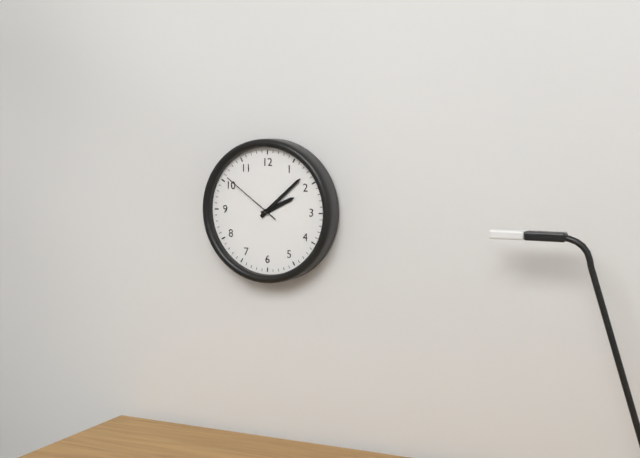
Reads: 2 h 08 min 51 s
